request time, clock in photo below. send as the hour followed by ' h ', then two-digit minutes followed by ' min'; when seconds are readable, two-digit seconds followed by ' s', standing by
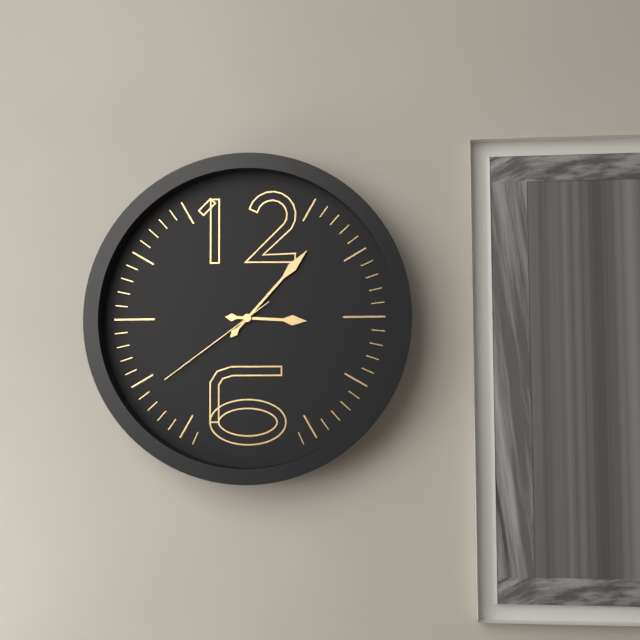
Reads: 3 h 07 min 39 s
